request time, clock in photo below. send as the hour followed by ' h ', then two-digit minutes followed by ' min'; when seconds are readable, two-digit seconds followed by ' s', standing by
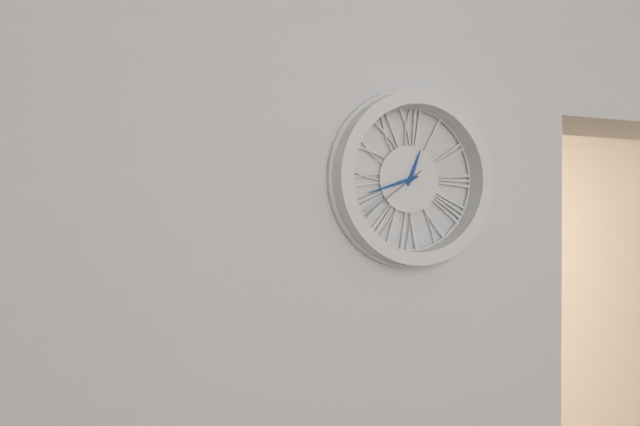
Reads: 12 h 42 min 39 s
